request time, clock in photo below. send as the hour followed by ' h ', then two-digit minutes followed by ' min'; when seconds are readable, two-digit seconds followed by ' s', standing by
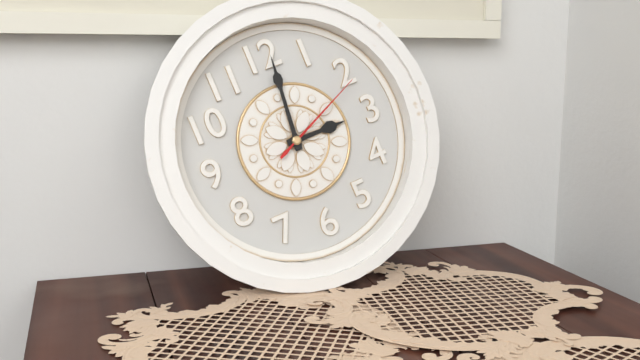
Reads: 3 h 01 min 11 s
